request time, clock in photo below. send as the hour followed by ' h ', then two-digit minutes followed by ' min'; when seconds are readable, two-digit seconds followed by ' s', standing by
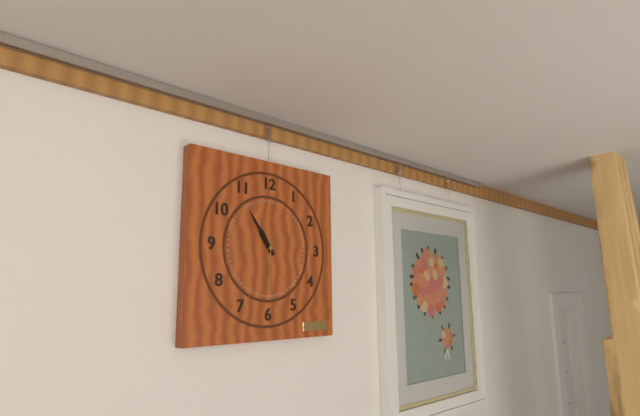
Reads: 10 h 54 min 30 s
